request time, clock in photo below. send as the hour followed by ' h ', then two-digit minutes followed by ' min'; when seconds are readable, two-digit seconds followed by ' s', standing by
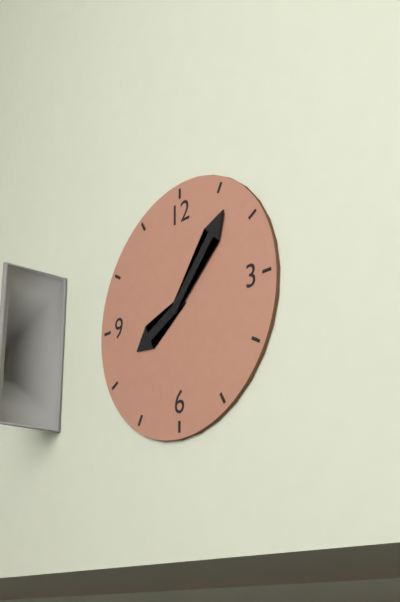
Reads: 8 h 07 min
